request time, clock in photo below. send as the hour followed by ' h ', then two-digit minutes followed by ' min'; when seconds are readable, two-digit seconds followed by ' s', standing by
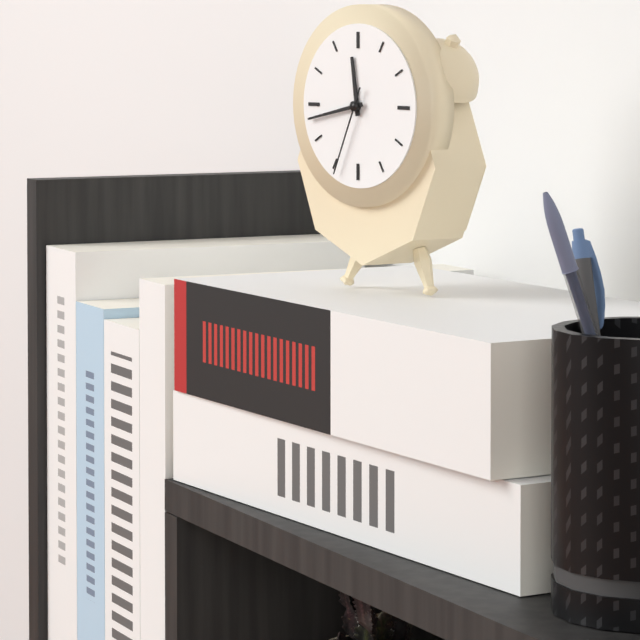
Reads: 11 h 43 min 34 s
